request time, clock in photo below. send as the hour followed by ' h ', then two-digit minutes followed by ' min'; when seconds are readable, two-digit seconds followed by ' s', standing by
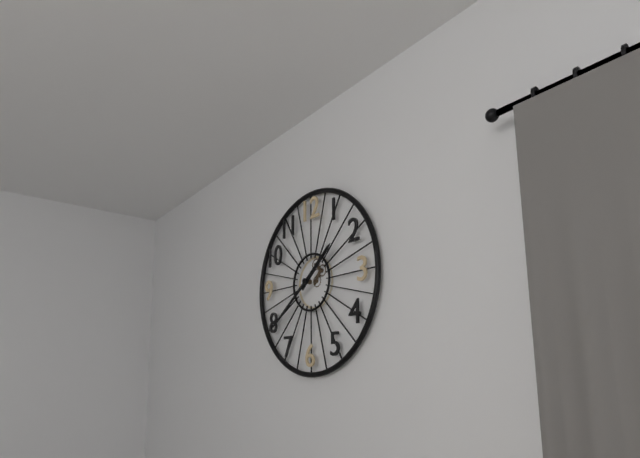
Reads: 1 h 39 min
